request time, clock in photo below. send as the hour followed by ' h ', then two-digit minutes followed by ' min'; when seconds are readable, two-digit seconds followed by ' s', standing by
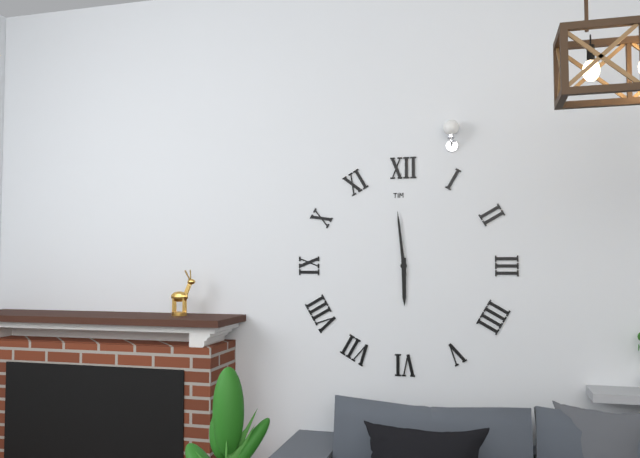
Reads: 5 h 59 min
